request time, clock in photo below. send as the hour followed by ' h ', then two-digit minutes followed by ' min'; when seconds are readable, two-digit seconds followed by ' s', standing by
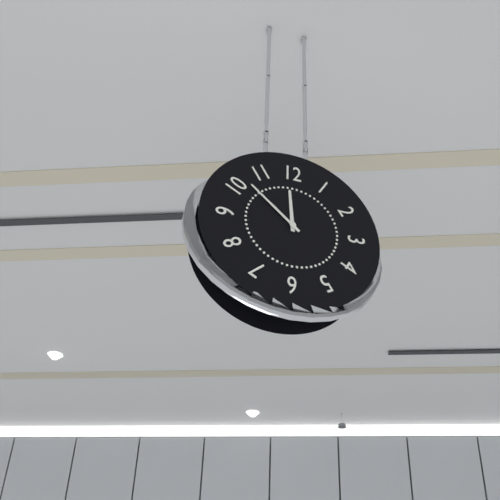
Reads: 11 h 52 min
